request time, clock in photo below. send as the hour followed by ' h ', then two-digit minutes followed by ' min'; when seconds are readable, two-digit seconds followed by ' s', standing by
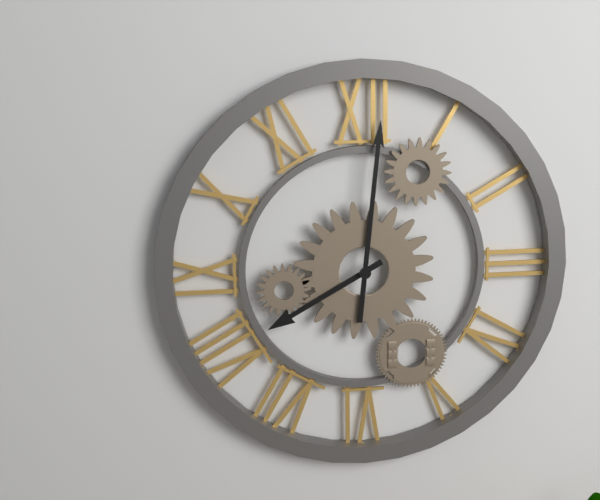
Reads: 8 h 01 min
